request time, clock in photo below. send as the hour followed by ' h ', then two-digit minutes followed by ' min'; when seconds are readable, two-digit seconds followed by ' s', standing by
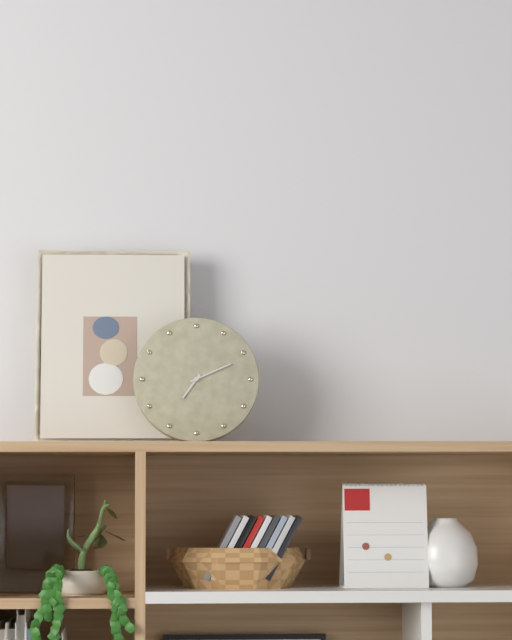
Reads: 7 h 11 min
